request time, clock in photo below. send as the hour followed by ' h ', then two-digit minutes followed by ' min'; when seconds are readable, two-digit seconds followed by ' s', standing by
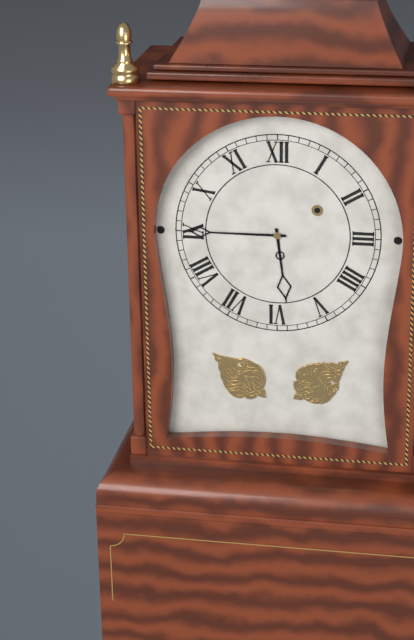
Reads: 5 h 45 min
